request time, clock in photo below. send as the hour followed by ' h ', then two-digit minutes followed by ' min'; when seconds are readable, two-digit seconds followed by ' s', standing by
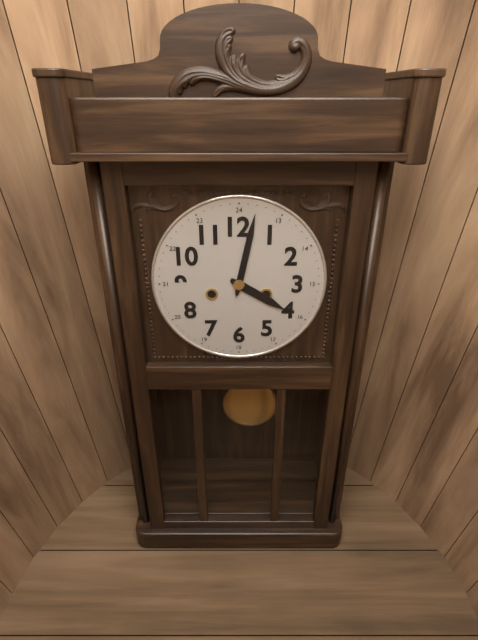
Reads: 4 h 02 min
